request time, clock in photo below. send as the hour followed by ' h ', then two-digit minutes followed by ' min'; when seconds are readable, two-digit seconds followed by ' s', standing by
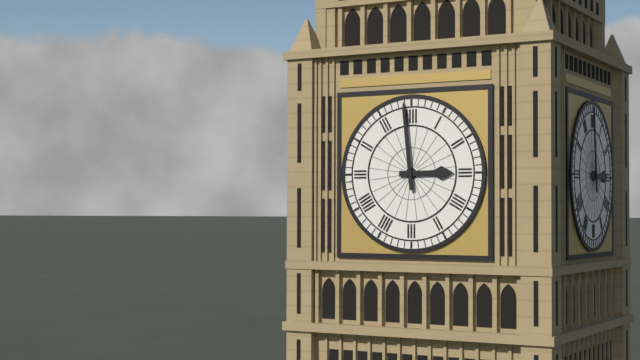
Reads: 2 h 59 min
